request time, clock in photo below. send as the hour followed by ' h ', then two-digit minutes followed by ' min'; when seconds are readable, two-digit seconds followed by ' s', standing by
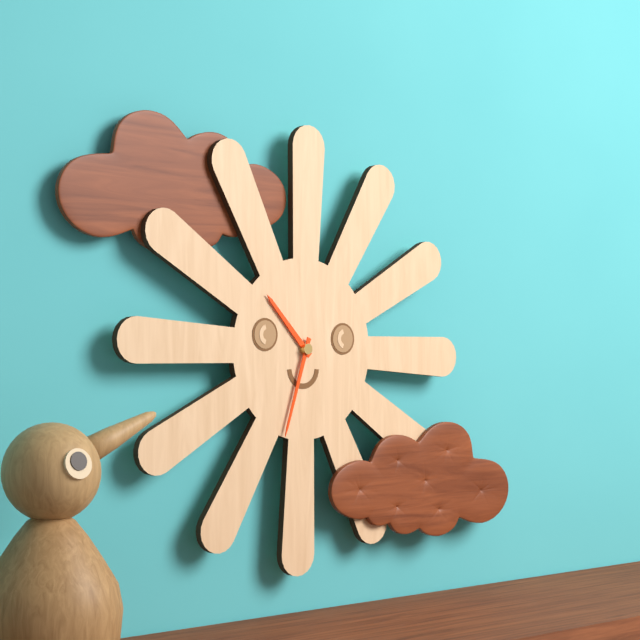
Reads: 10 h 33 min
